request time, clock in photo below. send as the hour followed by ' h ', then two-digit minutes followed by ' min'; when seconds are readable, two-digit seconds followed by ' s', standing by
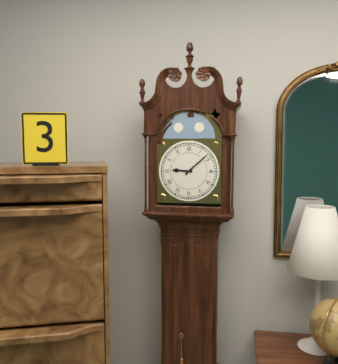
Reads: 9 h 08 min
